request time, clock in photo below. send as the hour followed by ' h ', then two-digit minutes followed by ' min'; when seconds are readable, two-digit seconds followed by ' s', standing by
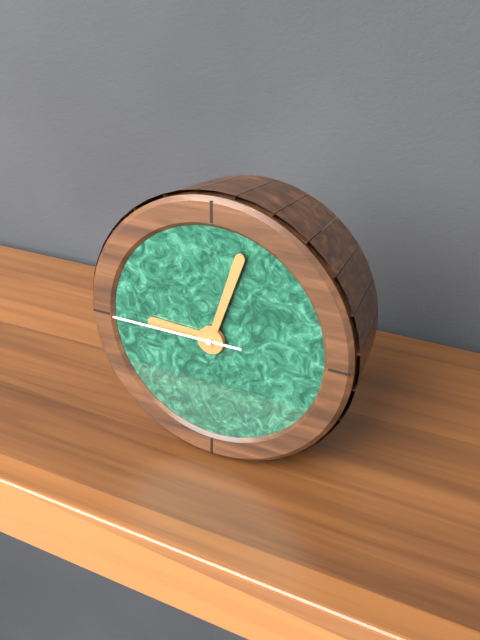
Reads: 9 h 03 min 45 s
